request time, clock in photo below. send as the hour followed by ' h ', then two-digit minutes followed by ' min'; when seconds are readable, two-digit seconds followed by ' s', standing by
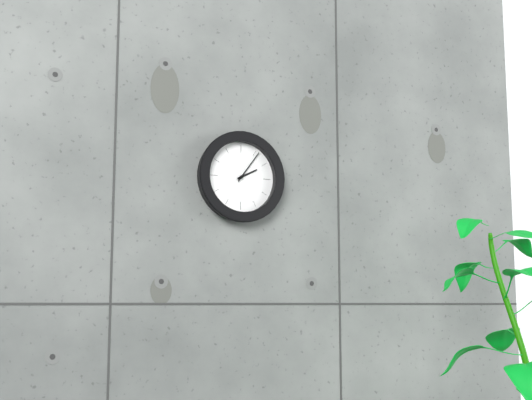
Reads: 2 h 06 min
